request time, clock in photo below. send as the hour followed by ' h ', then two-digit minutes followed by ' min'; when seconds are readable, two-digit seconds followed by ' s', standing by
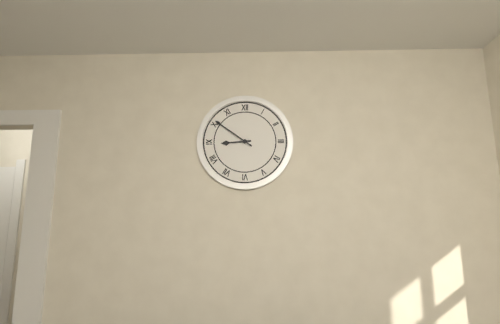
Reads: 8 h 51 min
